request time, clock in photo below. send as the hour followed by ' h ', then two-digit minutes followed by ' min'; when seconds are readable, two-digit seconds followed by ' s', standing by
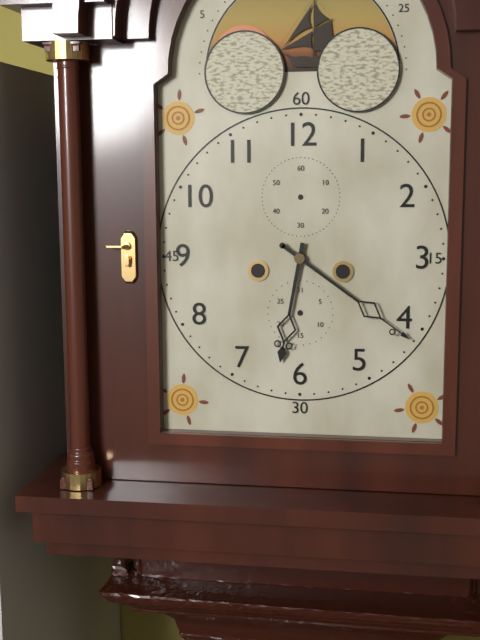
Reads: 6 h 21 min
